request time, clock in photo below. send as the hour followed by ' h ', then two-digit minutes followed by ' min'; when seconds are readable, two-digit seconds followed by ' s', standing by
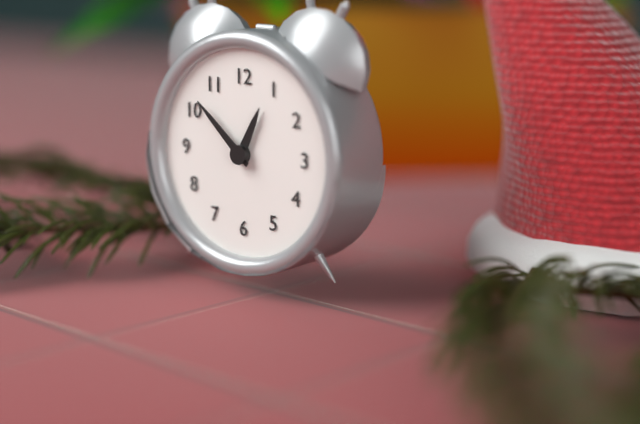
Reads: 12 h 52 min
